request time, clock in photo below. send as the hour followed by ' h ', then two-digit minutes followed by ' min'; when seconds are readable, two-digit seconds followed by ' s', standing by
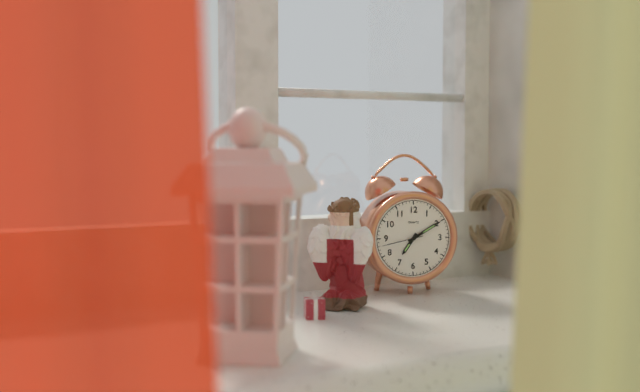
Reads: 7 h 10 min
